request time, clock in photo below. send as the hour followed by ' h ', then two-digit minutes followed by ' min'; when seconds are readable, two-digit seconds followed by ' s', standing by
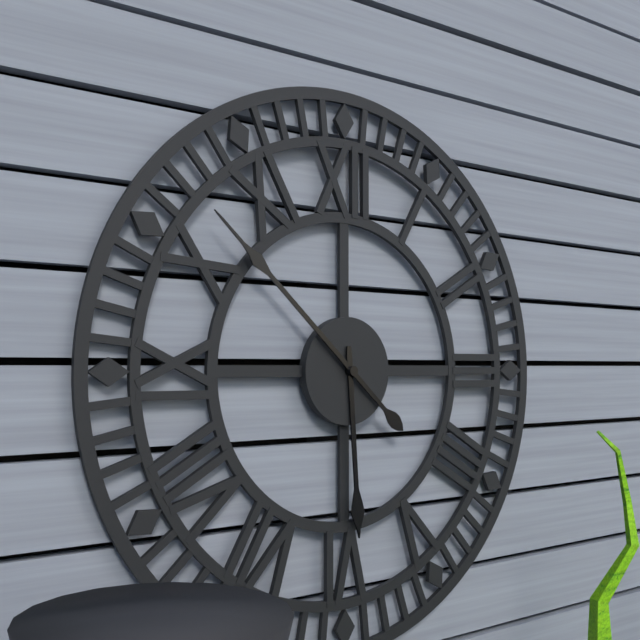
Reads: 5 h 52 min
